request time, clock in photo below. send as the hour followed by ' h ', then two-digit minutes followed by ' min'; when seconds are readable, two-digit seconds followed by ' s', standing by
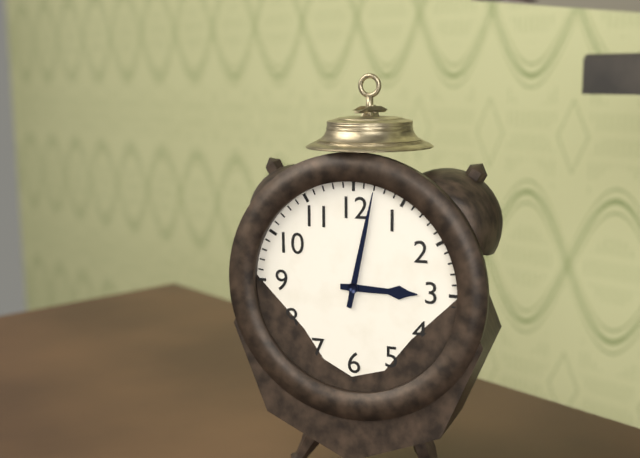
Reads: 3 h 02 min
